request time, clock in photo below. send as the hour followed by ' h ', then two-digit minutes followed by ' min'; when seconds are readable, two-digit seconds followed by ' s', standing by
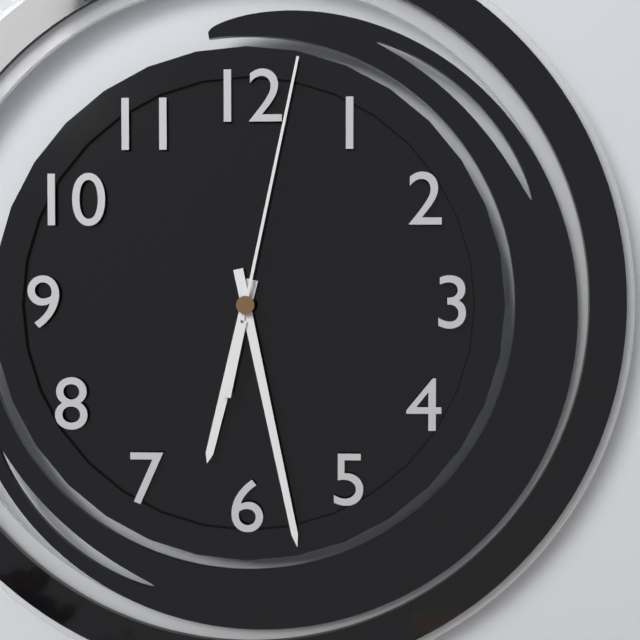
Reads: 6 h 28 min 02 s
